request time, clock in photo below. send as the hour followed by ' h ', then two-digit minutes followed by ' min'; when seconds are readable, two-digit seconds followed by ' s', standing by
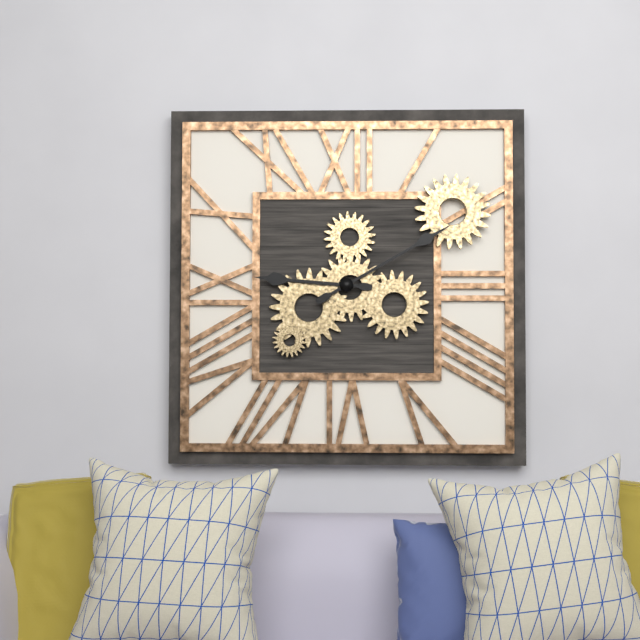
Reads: 9 h 10 min
